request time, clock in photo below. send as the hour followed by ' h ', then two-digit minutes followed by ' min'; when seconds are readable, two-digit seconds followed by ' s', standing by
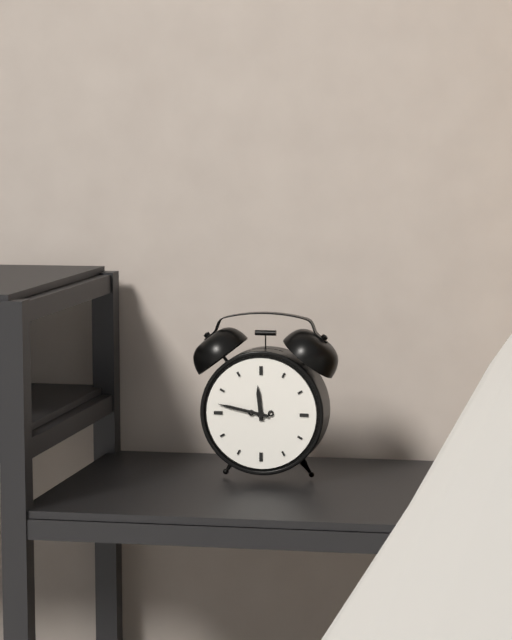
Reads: 11 h 47 min
